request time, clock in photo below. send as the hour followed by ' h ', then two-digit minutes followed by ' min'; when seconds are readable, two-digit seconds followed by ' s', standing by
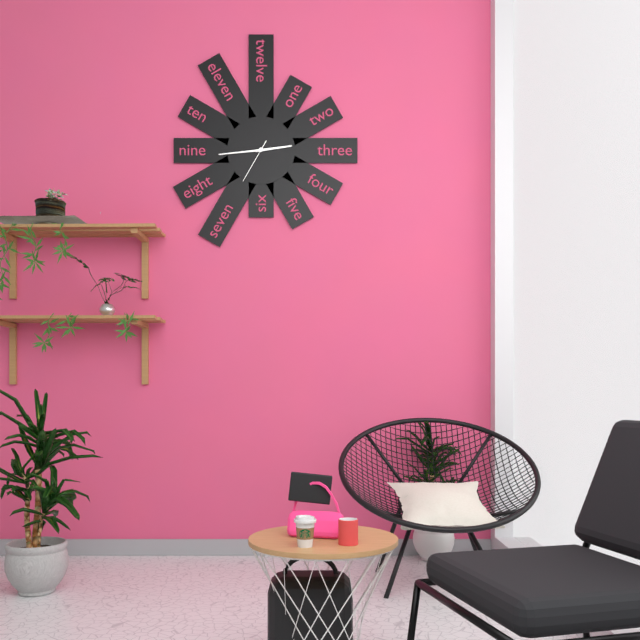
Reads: 2 h 44 min
